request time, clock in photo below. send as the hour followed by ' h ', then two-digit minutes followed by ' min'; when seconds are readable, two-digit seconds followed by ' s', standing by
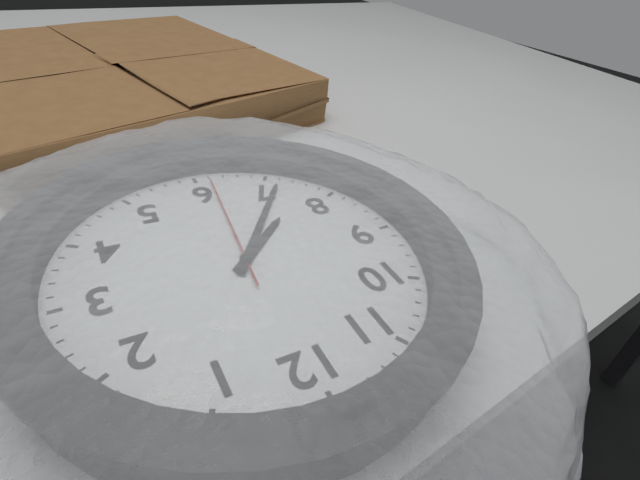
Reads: 7 h 36 min 31 s
